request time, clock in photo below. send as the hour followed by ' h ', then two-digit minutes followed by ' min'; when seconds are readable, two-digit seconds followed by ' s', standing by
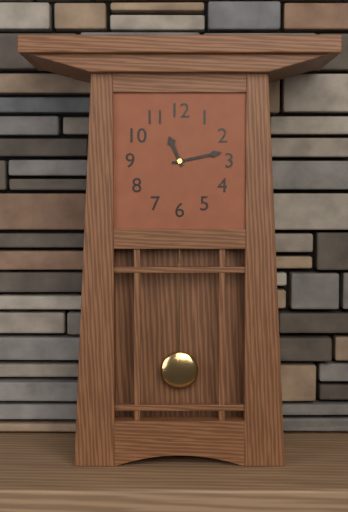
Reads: 11 h 13 min
